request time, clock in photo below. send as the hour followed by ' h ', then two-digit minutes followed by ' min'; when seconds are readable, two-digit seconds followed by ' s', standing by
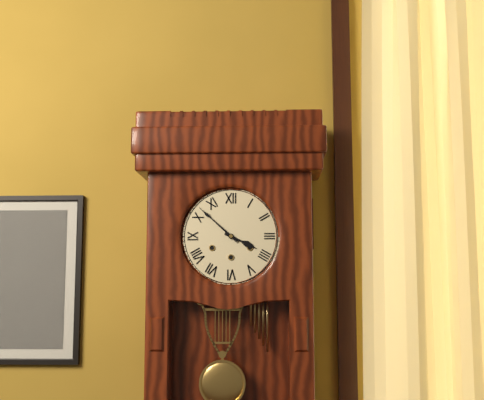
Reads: 3 h 52 min
